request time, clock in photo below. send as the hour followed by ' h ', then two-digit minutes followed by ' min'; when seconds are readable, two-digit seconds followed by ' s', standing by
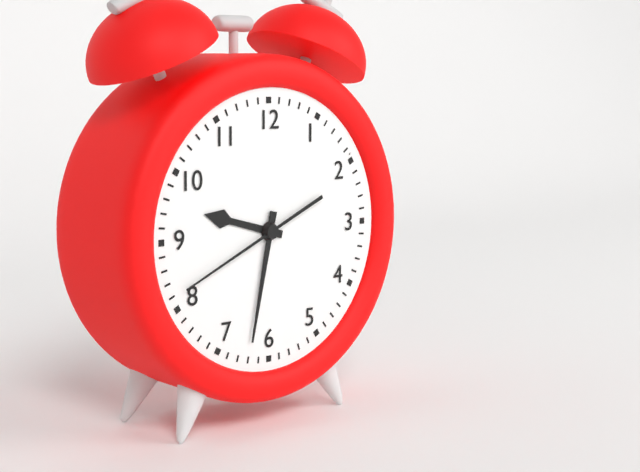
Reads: 9 h 32 min 41 s
